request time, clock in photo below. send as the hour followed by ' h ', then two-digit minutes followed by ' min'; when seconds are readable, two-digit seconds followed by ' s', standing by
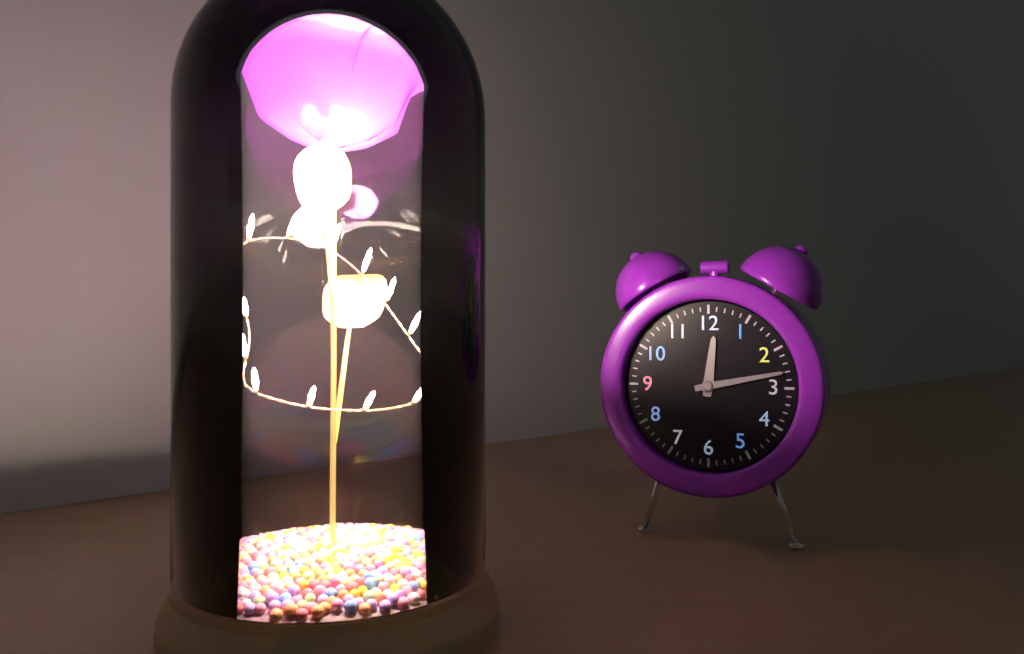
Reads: 12 h 13 min
